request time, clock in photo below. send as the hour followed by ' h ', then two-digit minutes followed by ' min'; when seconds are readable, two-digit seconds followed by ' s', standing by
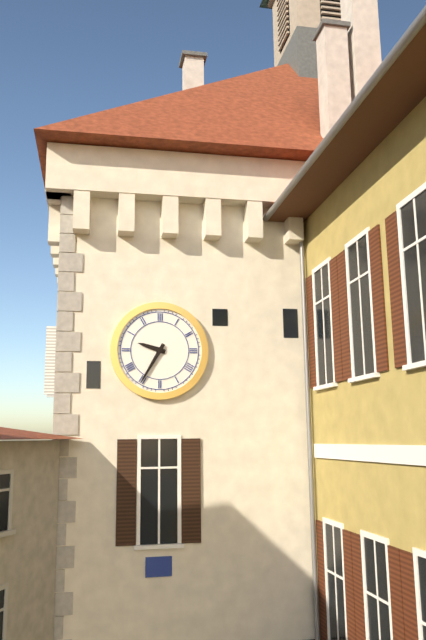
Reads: 9 h 35 min
